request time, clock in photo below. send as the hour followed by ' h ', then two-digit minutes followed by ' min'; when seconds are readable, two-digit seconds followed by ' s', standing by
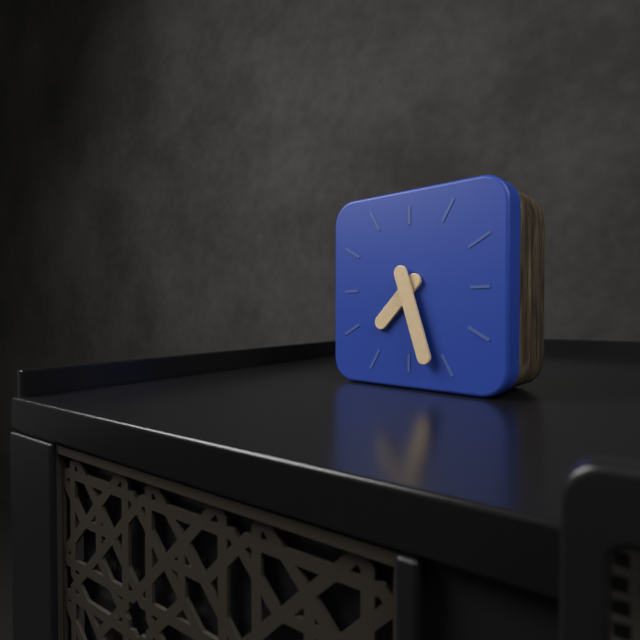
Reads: 7 h 27 min
